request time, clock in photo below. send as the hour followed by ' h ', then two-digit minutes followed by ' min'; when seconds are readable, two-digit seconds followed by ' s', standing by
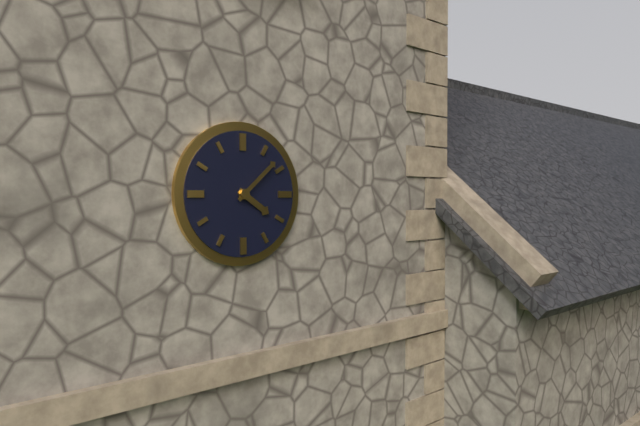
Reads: 4 h 08 min
